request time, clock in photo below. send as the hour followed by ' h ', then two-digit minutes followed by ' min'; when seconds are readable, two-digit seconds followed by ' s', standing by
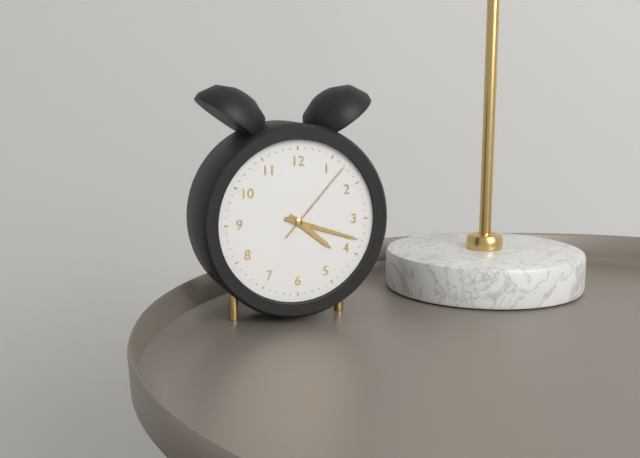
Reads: 4 h 18 min 07 s
